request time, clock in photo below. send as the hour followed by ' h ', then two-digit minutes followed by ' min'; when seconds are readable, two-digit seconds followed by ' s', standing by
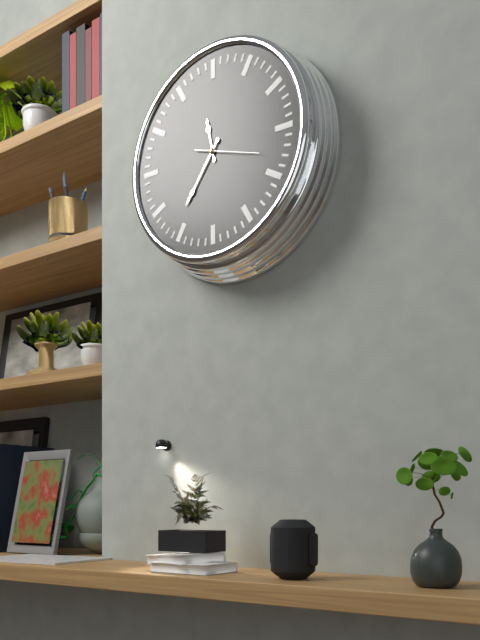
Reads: 11 h 36 min 18 s
